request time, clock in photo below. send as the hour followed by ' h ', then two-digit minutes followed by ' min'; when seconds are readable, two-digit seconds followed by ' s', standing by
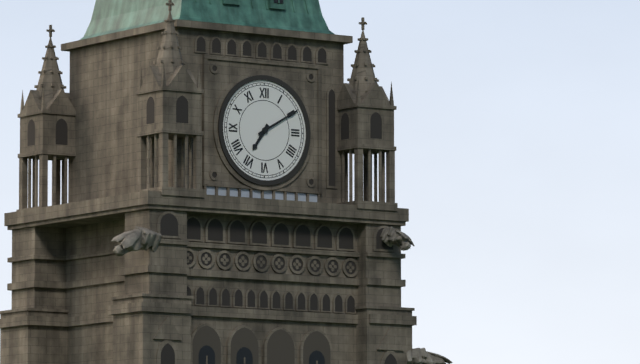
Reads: 7 h 10 min
